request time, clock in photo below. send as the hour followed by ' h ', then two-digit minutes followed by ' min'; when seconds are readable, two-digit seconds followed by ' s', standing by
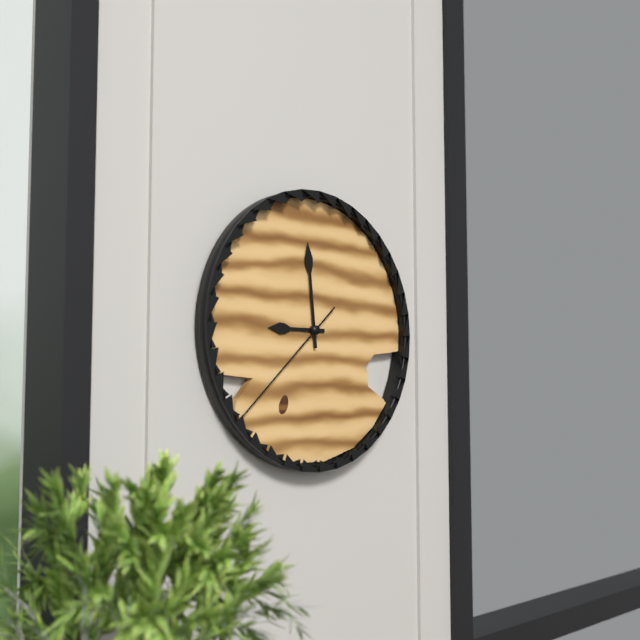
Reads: 8 h 59 min 38 s
